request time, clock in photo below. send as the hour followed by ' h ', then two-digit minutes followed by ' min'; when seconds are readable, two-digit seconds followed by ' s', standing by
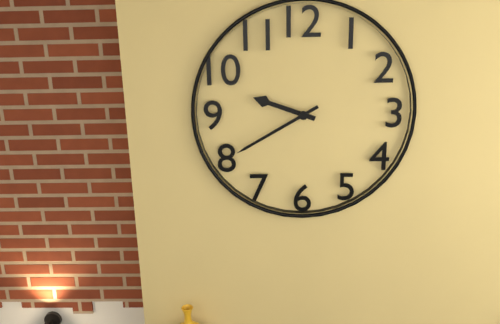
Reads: 9 h 40 min
